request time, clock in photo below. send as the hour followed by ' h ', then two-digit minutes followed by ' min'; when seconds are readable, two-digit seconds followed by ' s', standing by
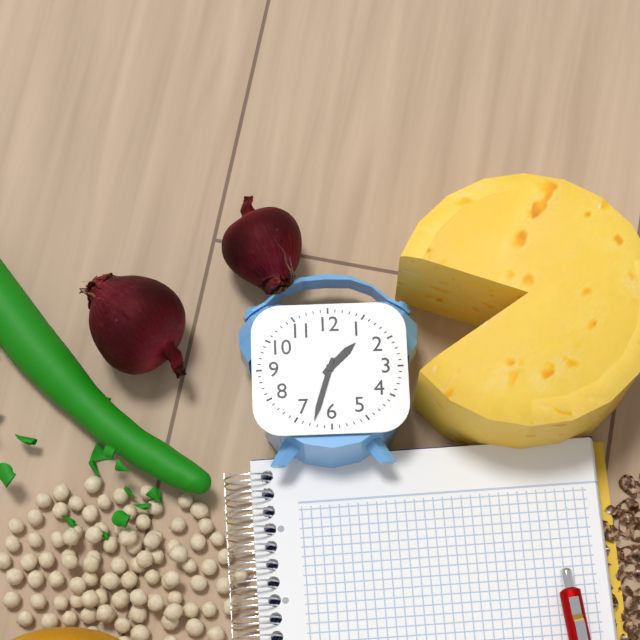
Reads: 1 h 33 min
